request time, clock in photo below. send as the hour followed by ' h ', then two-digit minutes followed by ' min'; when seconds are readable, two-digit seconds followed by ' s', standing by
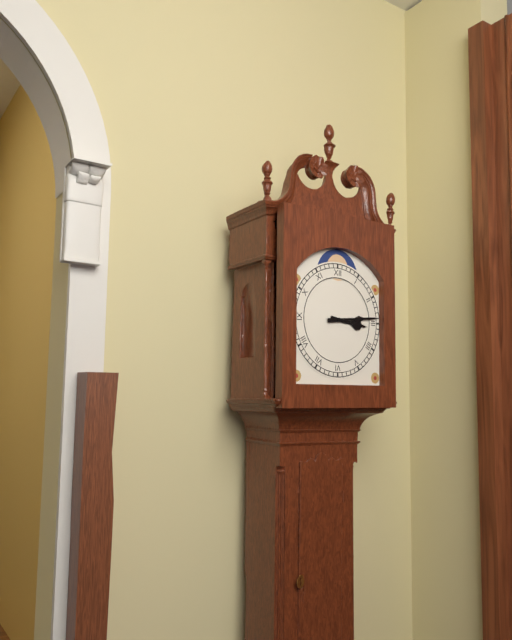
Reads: 3 h 14 min
